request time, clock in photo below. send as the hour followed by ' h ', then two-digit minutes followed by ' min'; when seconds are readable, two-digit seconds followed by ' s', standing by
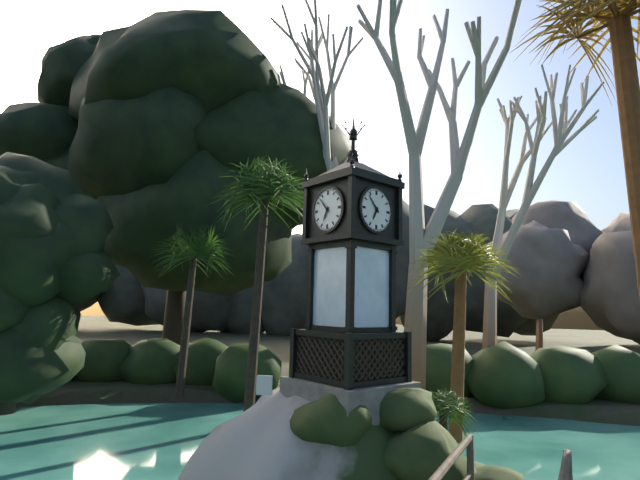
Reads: 6 h 53 min
